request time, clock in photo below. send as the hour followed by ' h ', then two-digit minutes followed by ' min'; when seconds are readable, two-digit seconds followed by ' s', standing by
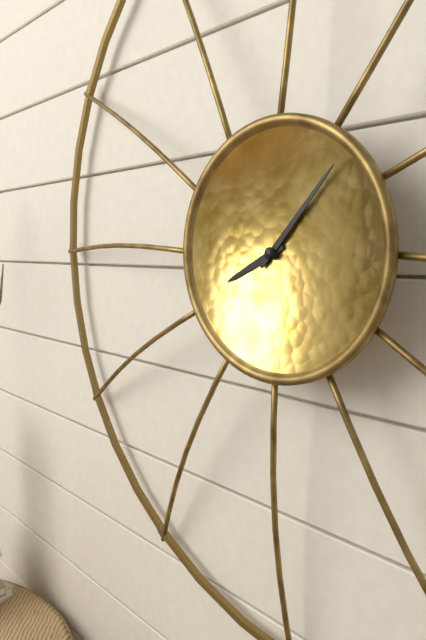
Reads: 8 h 07 min
